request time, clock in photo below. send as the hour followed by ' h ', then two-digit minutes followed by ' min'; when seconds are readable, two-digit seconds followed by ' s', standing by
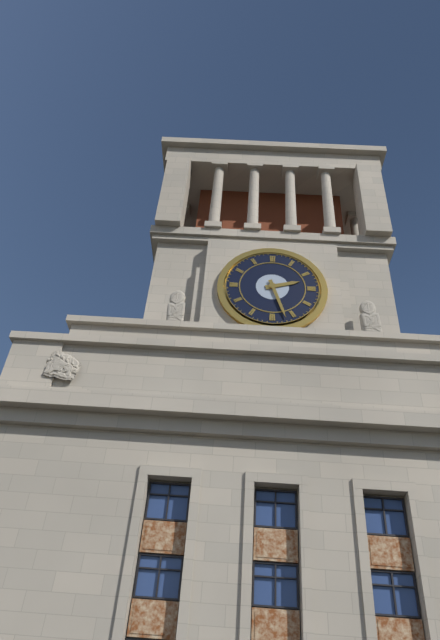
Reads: 2 h 27 min
